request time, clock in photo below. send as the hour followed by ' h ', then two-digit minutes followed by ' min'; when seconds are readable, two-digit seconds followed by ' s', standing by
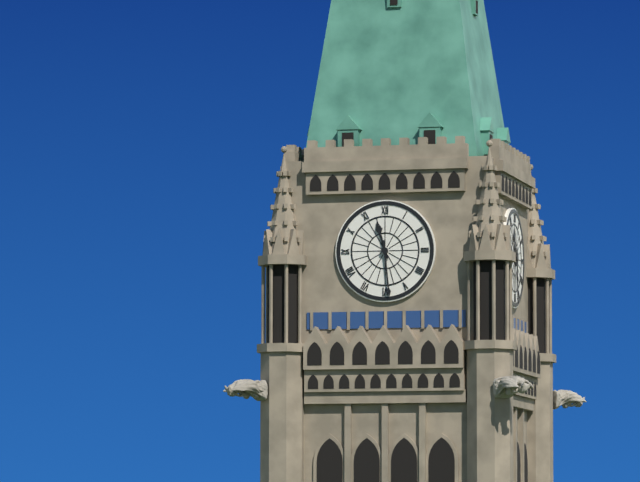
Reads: 11 h 29 min
